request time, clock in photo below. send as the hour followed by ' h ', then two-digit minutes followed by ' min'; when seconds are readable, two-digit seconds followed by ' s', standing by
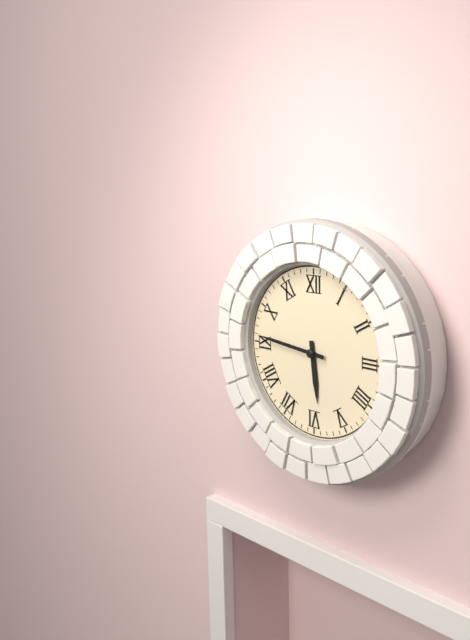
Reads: 5 h 46 min
